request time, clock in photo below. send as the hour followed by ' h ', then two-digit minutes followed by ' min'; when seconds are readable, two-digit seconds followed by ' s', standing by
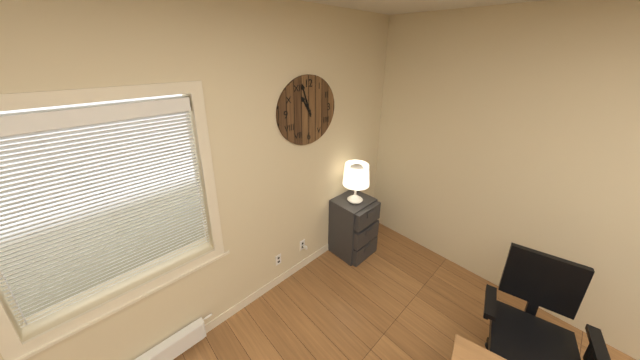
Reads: 10 h 57 min
